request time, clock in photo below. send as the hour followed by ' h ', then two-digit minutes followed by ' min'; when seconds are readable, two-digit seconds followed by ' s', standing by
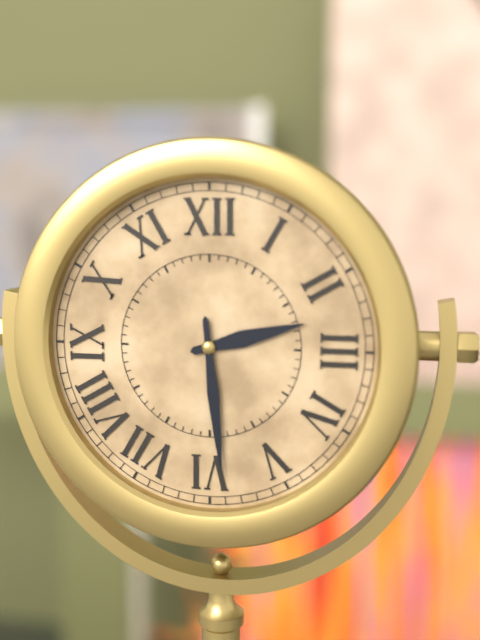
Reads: 2 h 29 min
